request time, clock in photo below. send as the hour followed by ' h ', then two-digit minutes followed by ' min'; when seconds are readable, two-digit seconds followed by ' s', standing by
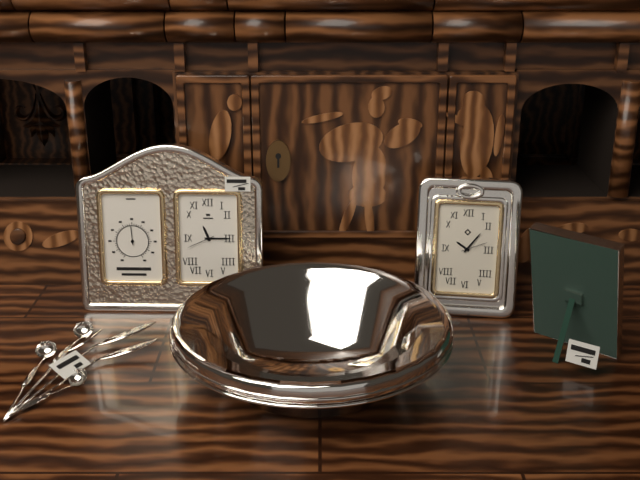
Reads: 11 h 15 min
